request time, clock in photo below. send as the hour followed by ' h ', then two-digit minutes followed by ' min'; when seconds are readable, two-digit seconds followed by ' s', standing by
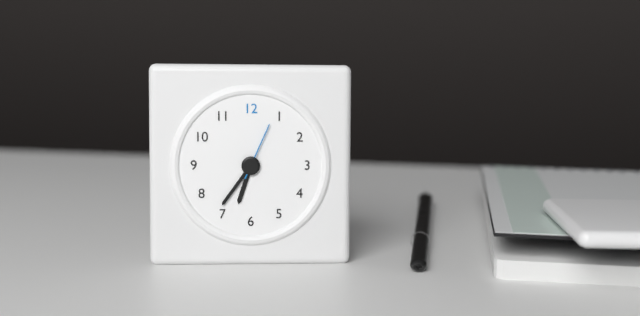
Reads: 6 h 36 min 04 s
